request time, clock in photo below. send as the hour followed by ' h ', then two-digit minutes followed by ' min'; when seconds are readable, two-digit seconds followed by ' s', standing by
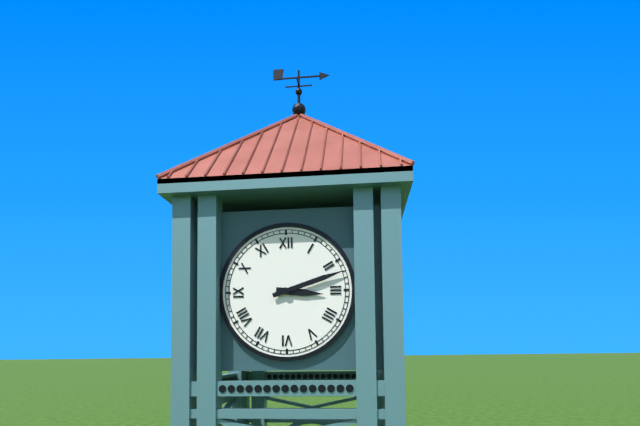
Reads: 3 h 12 min
